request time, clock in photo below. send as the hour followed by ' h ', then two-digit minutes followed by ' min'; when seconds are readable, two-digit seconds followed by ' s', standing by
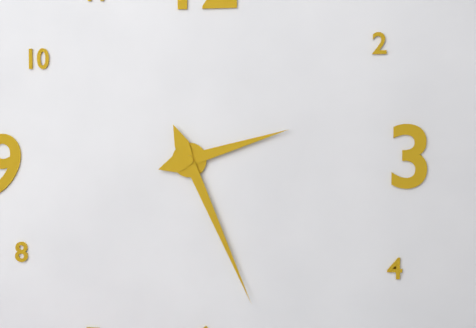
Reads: 2 h 26 min
